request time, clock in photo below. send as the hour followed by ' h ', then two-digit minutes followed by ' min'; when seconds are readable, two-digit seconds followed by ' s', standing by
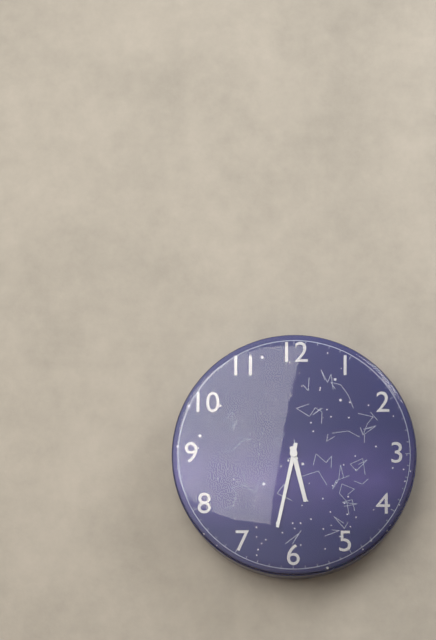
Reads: 5 h 32 min
